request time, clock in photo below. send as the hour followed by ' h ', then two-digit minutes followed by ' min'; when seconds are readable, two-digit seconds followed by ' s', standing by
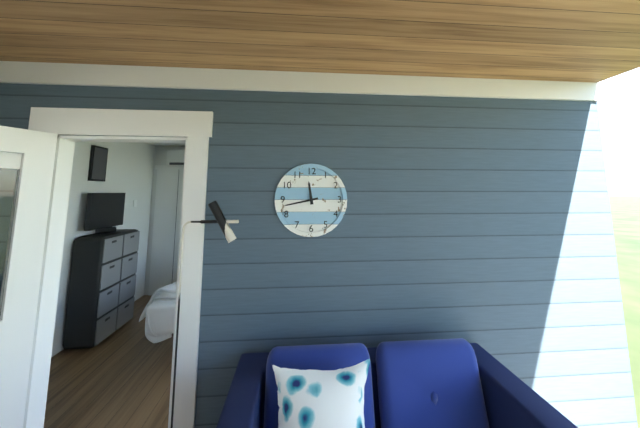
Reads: 11 h 43 min
